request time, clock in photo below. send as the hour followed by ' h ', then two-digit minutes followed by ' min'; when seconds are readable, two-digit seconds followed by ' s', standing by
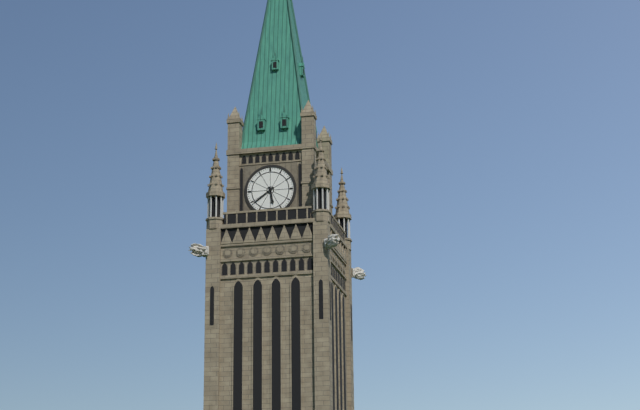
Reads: 5 h 39 min
